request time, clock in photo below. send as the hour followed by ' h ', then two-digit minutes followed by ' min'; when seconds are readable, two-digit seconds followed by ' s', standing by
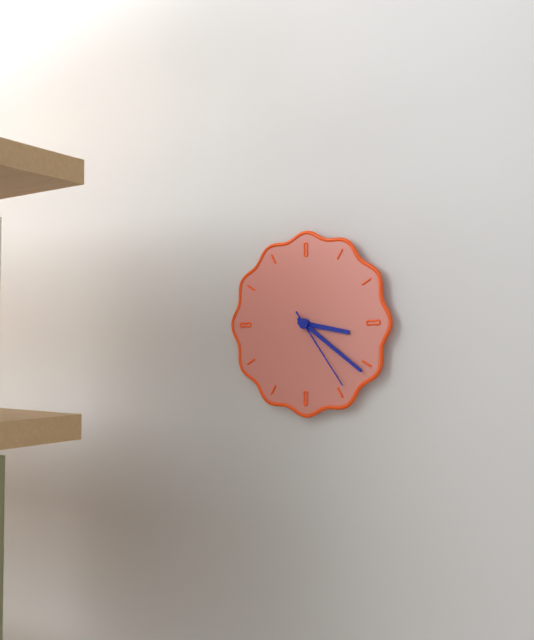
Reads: 3 h 21 min 24 s
